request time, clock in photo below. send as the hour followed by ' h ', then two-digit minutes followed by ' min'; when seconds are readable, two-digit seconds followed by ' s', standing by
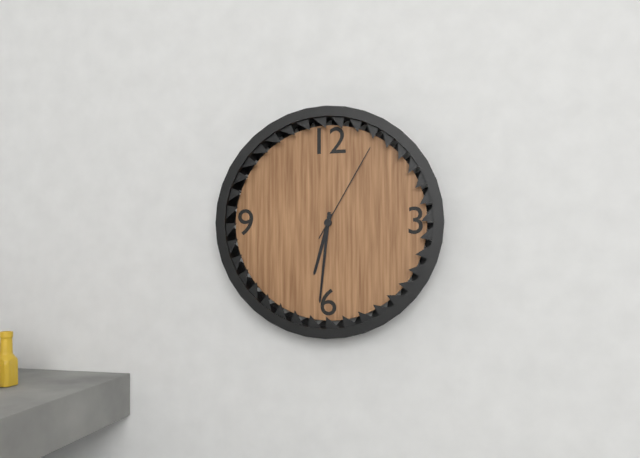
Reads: 6 h 31 min 05 s
